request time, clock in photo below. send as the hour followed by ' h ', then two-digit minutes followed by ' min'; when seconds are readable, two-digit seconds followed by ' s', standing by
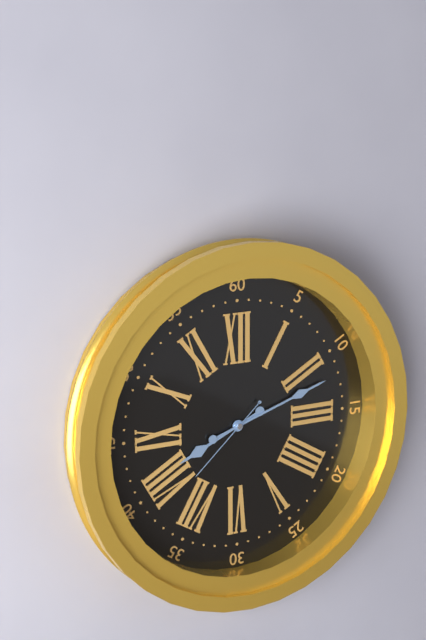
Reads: 8 h 12 min 38 s
